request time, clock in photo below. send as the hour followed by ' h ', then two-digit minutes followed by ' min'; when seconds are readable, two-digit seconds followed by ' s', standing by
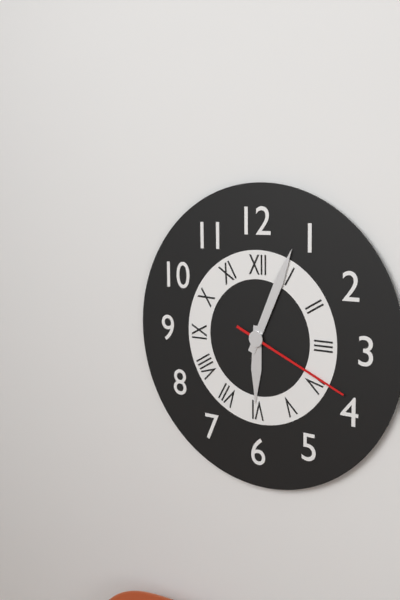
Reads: 6 h 04 min 19 s
